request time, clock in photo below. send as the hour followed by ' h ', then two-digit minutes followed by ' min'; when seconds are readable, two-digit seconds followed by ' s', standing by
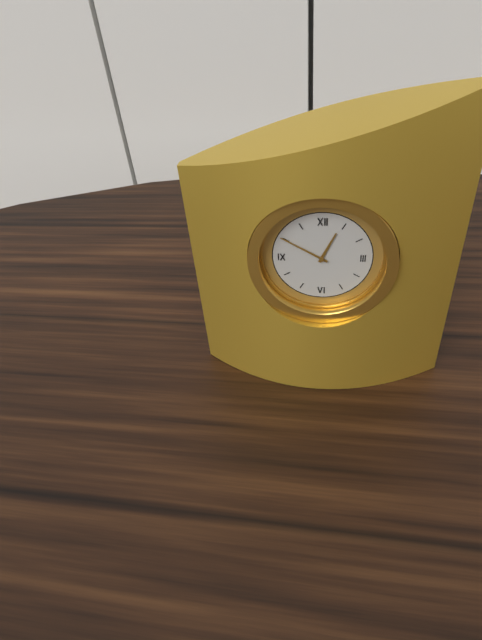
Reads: 12 h 50 min
